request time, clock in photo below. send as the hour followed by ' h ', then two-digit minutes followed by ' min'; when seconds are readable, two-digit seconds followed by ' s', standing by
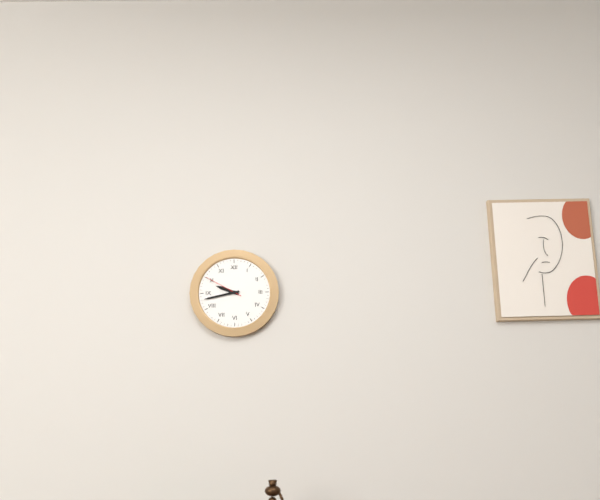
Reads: 9 h 43 min
